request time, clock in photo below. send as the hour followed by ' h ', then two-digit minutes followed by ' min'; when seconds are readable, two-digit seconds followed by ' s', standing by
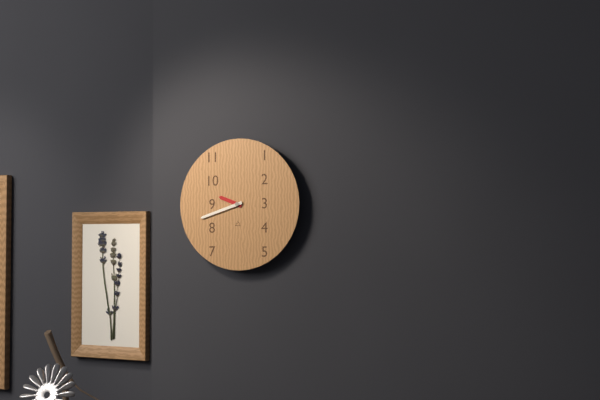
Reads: 9 h 42 min
